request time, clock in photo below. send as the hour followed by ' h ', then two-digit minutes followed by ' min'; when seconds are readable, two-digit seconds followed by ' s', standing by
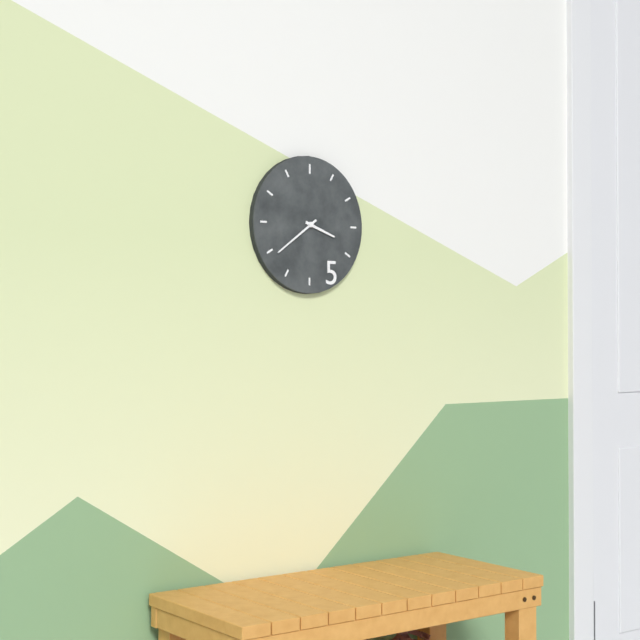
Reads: 3 h 39 min
